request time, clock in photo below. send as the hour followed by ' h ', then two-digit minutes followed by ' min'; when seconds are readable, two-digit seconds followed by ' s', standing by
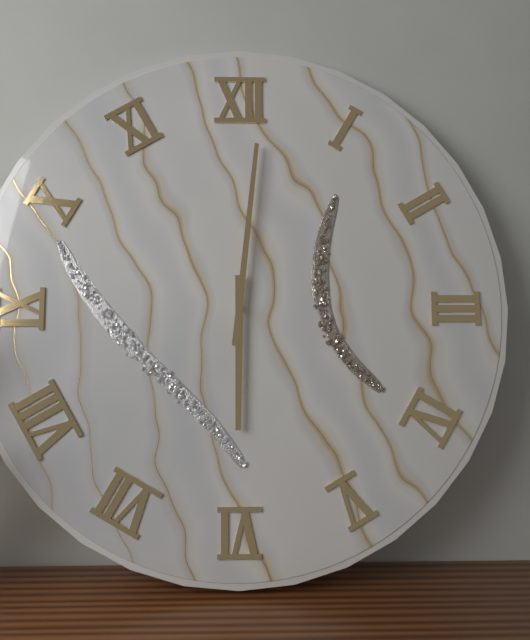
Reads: 6 h 01 min
